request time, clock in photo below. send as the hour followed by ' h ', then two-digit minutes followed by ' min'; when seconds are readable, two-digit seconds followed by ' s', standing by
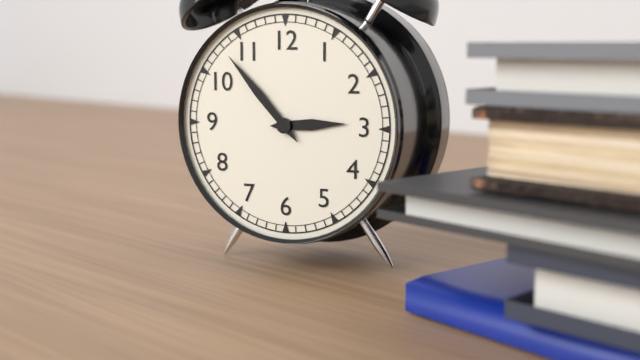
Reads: 2 h 53 min
